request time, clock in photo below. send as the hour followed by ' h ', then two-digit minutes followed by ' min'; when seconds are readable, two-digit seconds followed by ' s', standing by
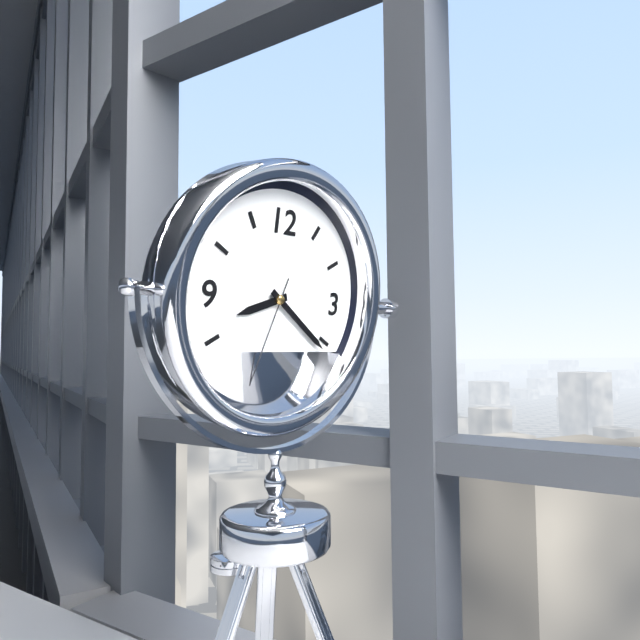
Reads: 8 h 21 min 33 s
